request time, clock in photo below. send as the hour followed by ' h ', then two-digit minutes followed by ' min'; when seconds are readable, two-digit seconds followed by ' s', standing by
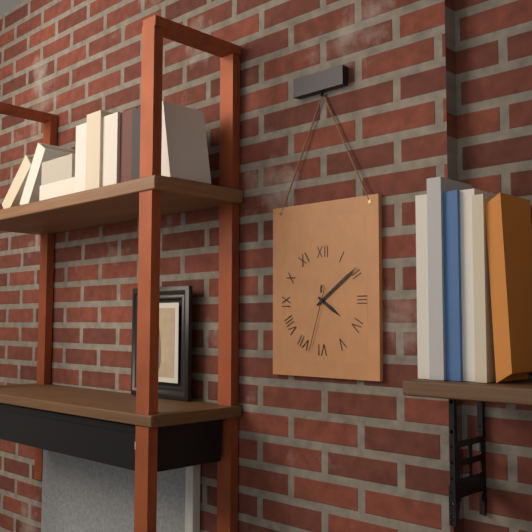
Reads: 4 h 09 min 33 s
